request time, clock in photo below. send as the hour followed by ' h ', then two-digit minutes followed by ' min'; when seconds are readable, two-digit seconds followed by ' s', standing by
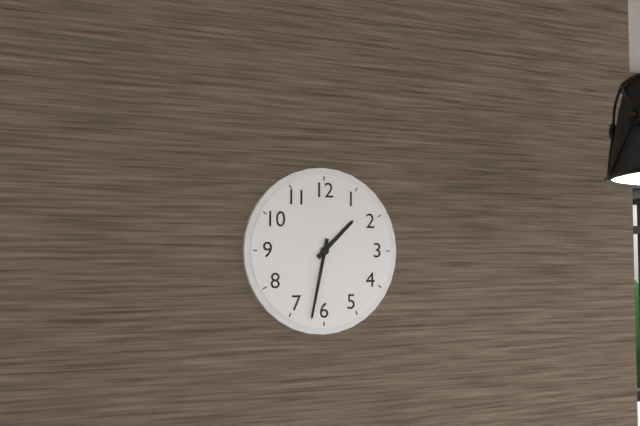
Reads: 1 h 32 min
